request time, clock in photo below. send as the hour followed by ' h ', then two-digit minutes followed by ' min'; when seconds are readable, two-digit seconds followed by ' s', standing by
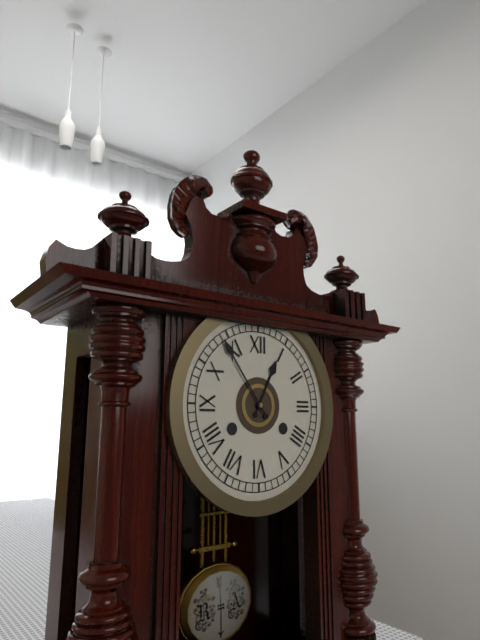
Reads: 12 h 54 min
